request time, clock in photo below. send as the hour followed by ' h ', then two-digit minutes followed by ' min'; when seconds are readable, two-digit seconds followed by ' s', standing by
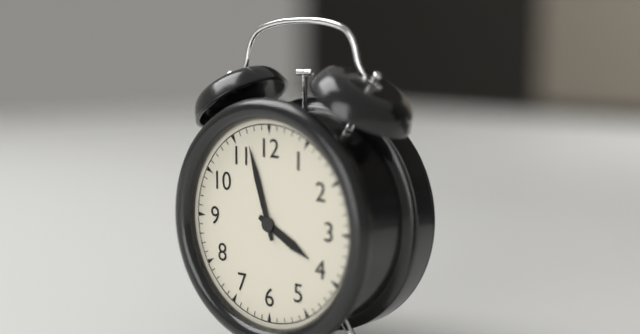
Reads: 3 h 57 min
